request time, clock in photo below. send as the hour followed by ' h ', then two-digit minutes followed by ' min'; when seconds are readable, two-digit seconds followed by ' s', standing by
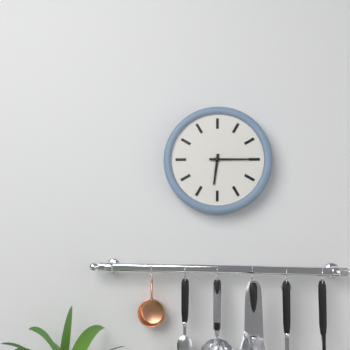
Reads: 6 h 15 min
